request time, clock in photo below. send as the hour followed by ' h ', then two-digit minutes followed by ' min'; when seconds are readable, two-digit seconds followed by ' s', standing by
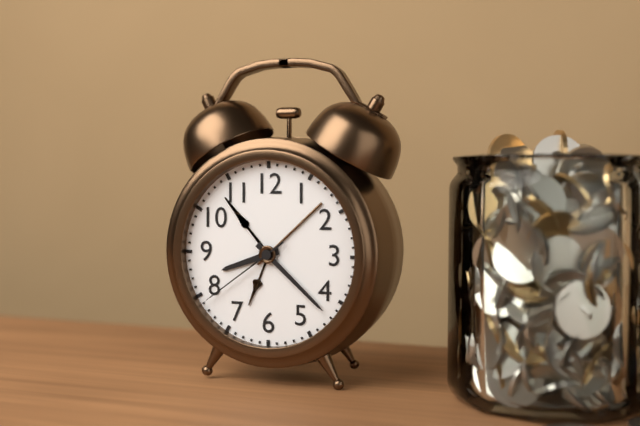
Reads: 8 h 22 min 39 s
